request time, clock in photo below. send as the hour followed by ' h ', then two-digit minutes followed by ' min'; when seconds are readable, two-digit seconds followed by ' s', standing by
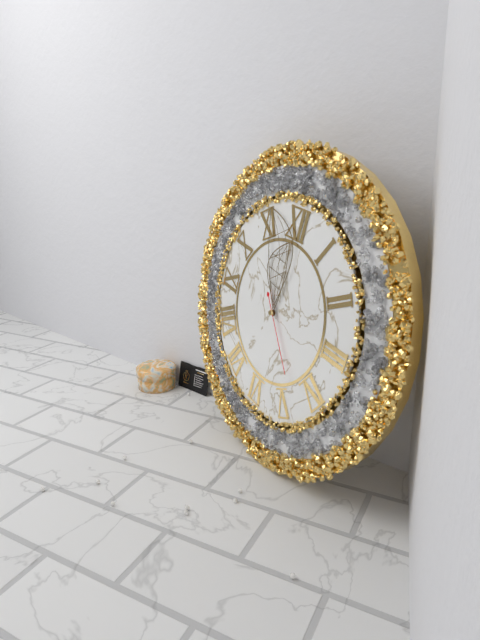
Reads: 11 h 56 min 23 s
